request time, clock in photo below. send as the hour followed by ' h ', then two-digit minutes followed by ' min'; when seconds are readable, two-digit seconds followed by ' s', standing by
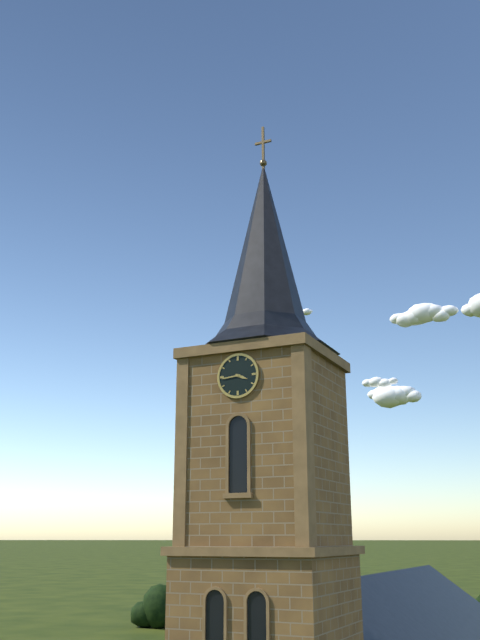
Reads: 3 h 44 min
